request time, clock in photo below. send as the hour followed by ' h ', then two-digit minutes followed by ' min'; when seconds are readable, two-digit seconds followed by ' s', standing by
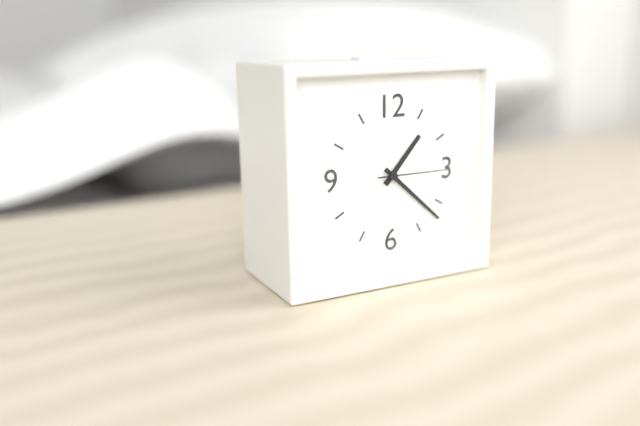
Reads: 1 h 22 min 15 s
